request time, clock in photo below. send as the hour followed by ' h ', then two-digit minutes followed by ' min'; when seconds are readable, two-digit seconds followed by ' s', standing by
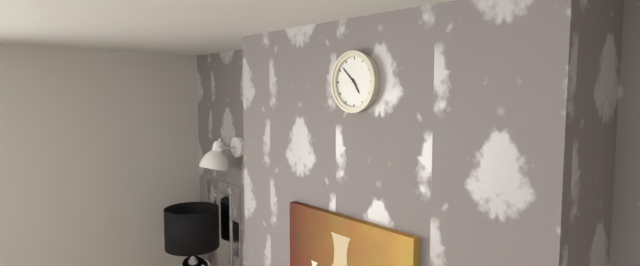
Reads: 4 h 52 min
